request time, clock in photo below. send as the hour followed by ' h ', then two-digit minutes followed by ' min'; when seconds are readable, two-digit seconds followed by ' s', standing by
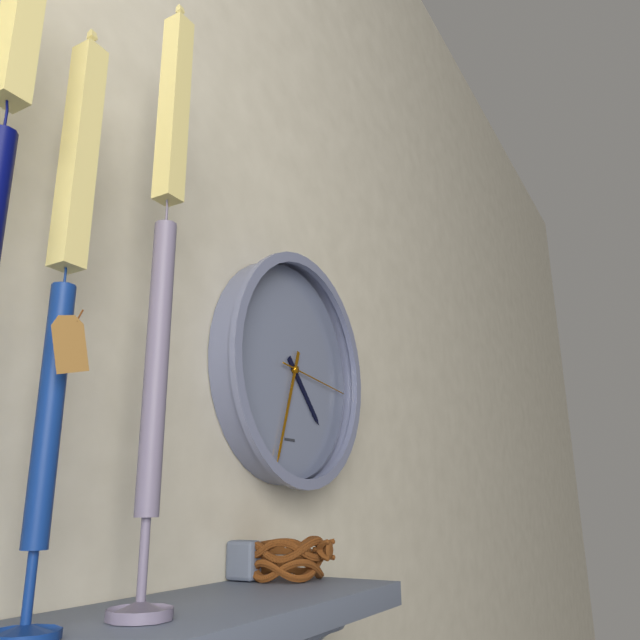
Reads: 4 h 33 min 16 s
